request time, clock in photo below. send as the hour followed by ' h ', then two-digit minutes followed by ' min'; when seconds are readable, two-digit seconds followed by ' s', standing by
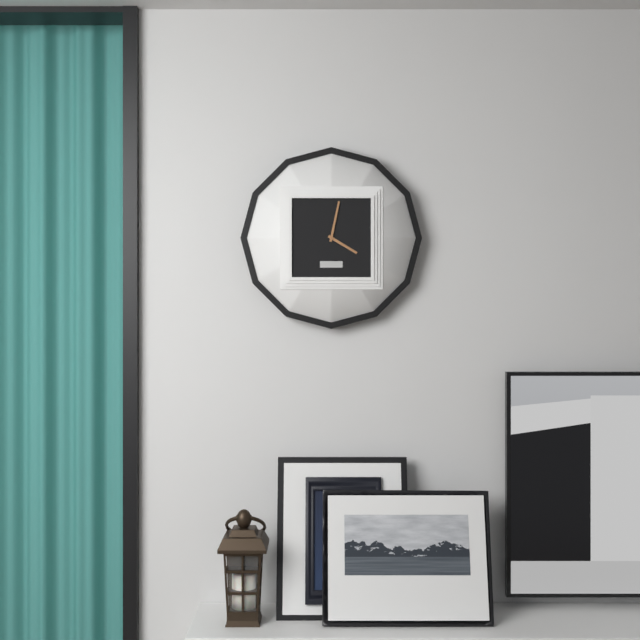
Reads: 4 h 02 min
